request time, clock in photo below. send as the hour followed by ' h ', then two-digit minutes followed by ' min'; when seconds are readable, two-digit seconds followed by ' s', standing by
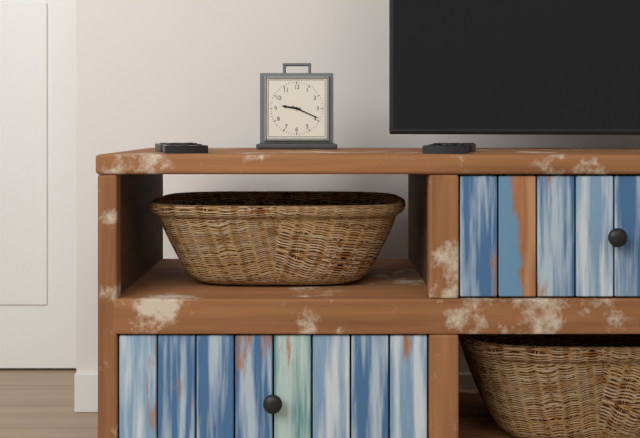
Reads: 9 h 19 min
